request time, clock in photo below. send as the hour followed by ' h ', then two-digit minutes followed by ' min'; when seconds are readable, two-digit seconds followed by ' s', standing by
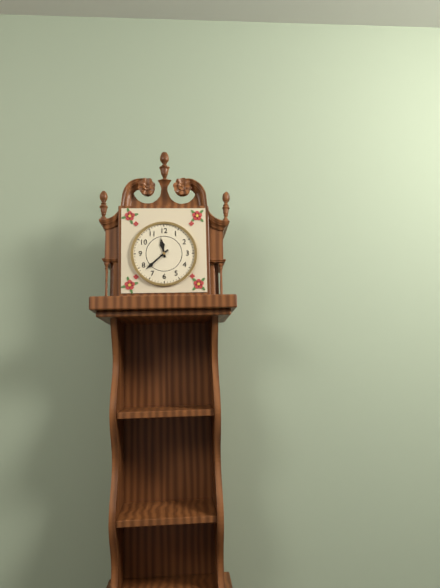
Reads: 11 h 38 min
